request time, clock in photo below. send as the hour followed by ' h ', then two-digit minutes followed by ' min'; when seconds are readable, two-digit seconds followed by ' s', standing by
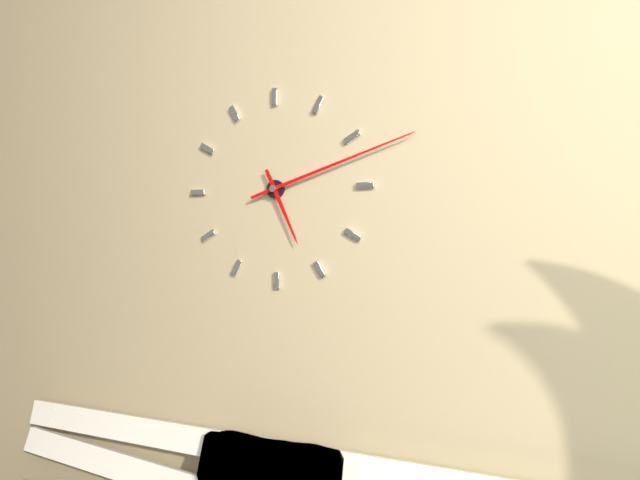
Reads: 5 h 12 min
